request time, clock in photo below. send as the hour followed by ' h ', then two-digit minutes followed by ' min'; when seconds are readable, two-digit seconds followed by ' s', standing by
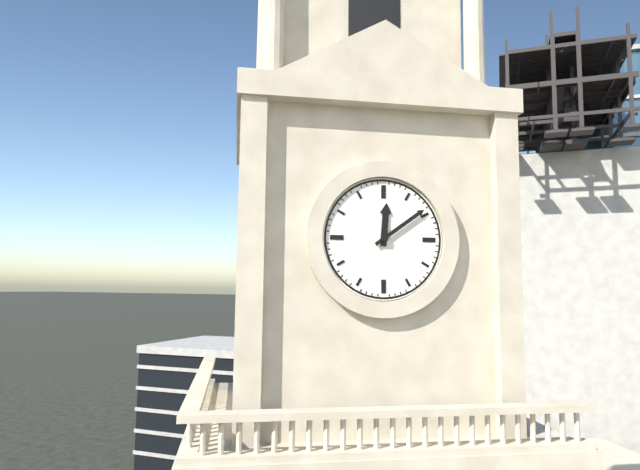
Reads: 12 h 09 min
